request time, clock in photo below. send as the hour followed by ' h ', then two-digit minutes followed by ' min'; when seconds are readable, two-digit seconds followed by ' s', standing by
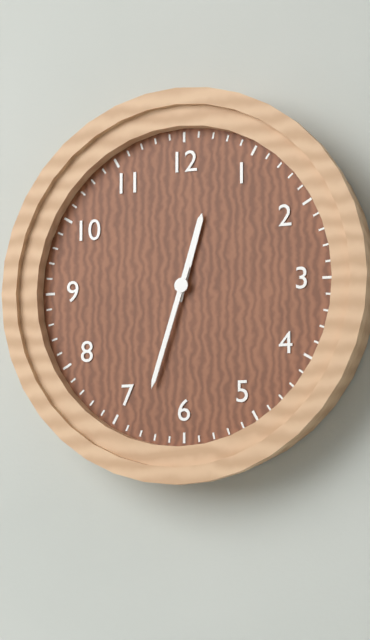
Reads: 12 h 33 min
